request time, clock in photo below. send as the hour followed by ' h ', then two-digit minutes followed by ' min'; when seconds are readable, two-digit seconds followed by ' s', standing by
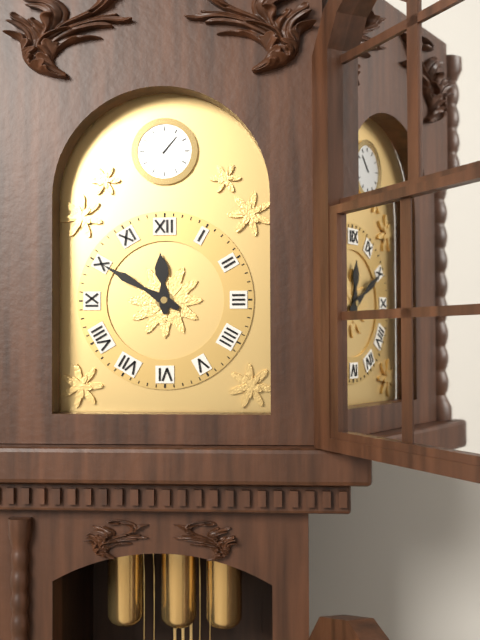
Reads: 11 h 50 min
